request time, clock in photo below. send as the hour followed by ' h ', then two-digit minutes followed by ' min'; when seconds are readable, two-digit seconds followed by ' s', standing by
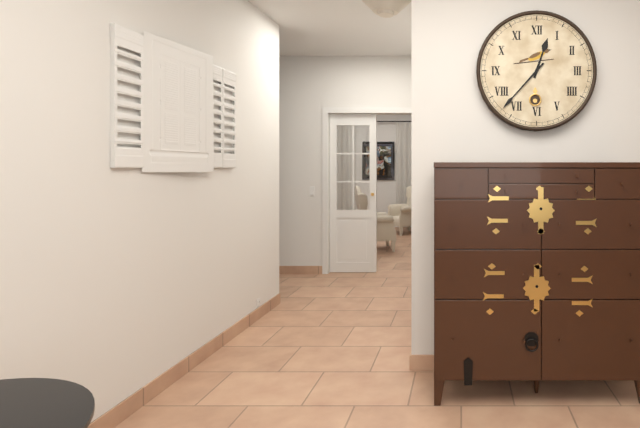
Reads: 12 h 37 min
